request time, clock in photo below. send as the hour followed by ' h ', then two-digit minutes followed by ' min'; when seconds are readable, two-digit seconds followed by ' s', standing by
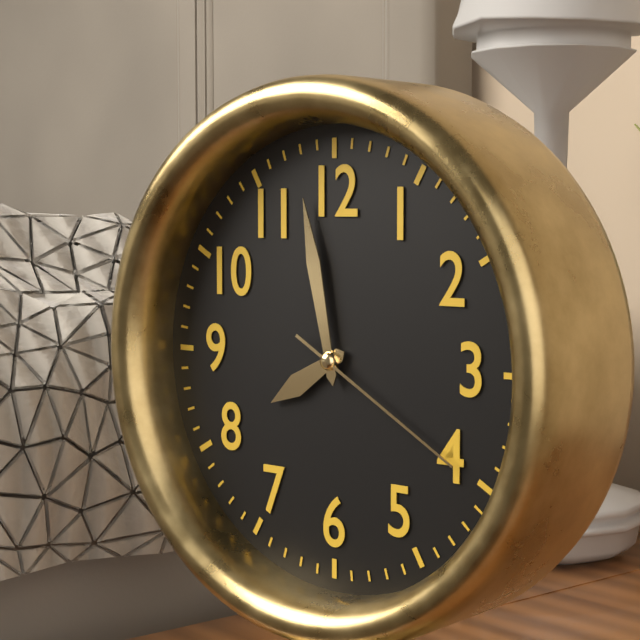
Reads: 7 h 58 min 20 s
